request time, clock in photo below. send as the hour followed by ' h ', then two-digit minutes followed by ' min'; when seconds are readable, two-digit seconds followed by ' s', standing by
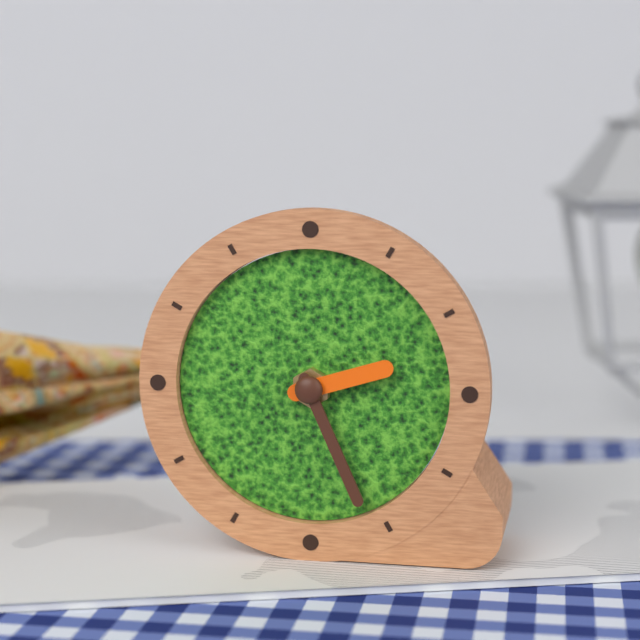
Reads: 2 h 26 min
